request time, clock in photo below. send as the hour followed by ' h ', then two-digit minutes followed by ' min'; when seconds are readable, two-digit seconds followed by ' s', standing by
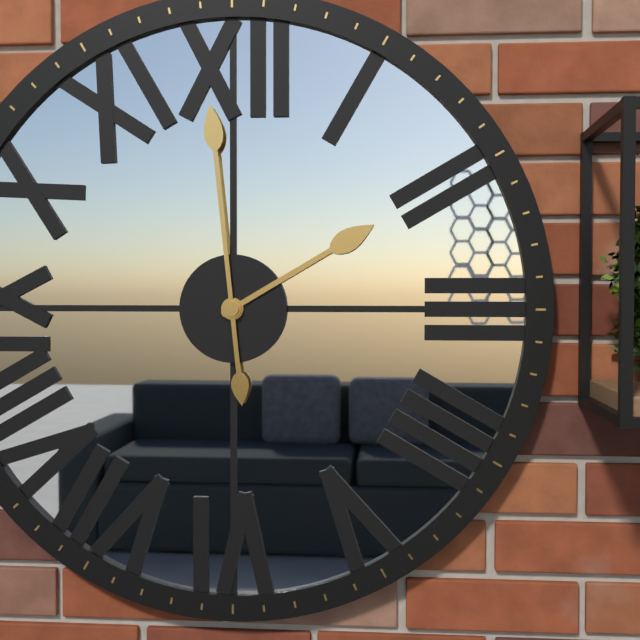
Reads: 1 h 59 min
